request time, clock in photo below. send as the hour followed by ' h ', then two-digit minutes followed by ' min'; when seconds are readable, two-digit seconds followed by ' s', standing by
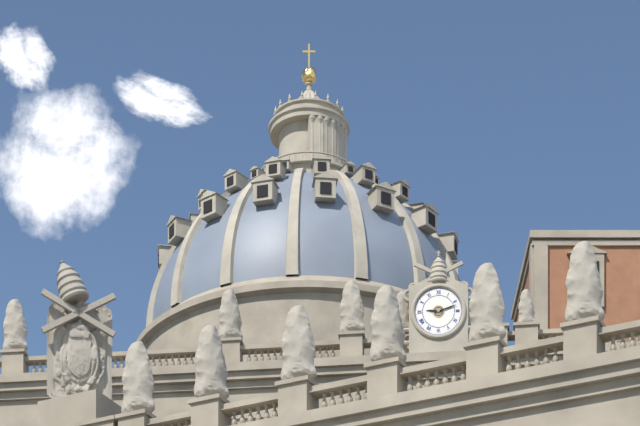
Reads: 9 h 12 min
